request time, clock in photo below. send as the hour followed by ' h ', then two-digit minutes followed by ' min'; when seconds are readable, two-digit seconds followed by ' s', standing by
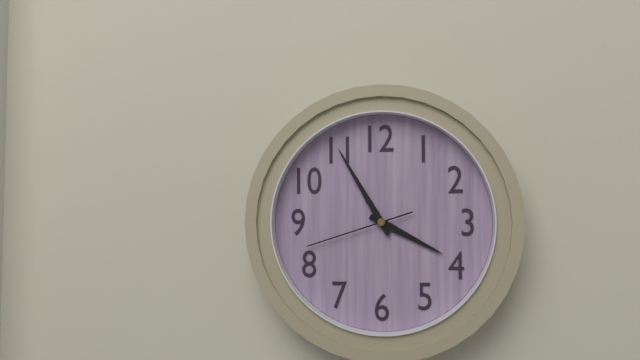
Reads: 3 h 55 min 42 s
